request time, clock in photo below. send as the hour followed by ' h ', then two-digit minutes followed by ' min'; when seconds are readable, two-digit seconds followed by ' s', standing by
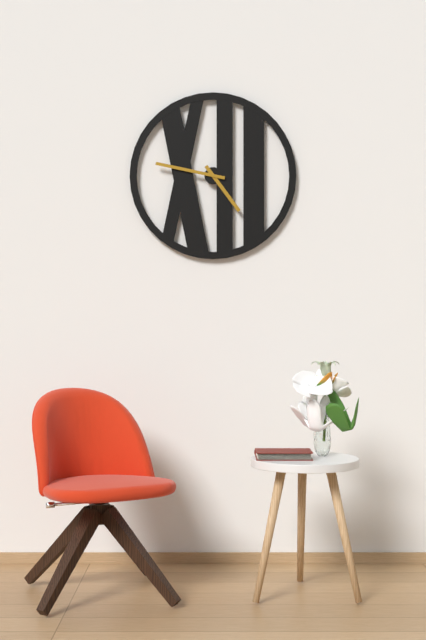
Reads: 4 h 47 min
